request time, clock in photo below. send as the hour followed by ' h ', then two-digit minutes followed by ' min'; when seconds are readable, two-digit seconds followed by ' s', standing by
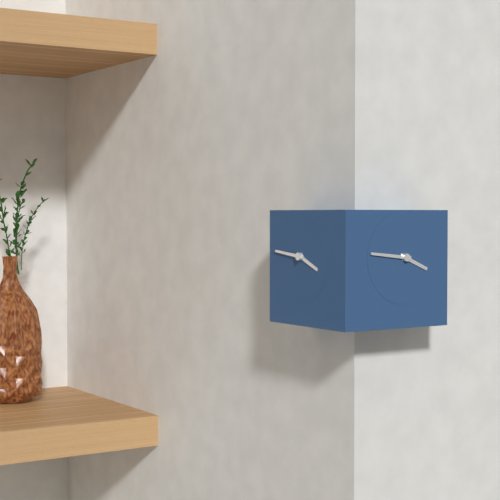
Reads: 3 h 46 min
